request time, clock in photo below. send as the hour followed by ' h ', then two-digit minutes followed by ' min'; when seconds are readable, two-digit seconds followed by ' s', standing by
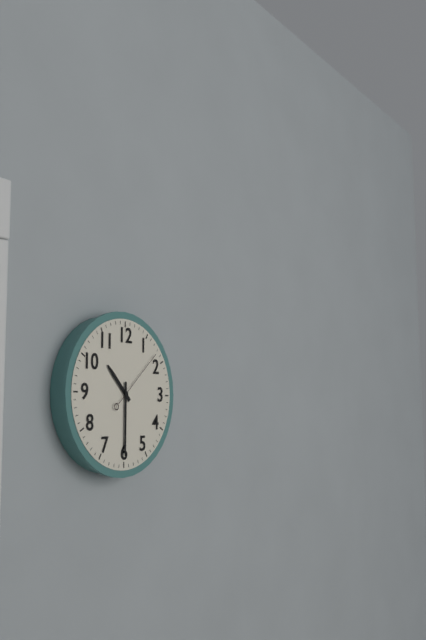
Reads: 10 h 30 min 08 s
